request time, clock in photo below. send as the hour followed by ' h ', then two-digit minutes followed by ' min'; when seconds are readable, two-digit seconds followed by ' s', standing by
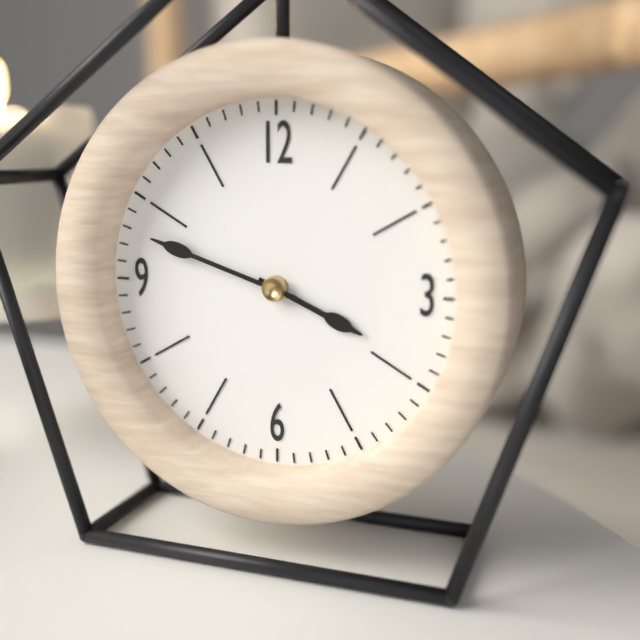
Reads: 3 h 48 min
